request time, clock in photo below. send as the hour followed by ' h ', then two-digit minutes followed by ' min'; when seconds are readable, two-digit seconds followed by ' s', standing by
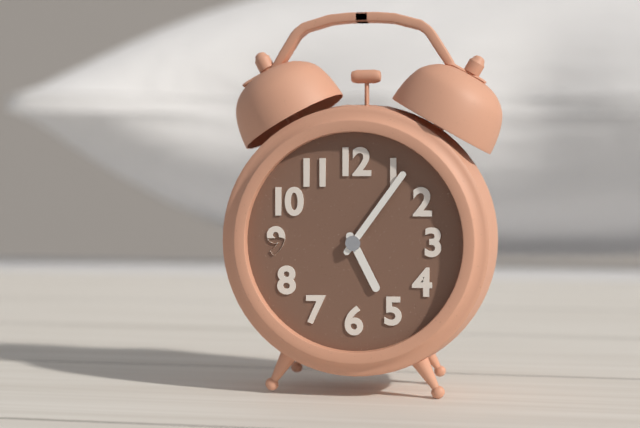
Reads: 5 h 06 min
